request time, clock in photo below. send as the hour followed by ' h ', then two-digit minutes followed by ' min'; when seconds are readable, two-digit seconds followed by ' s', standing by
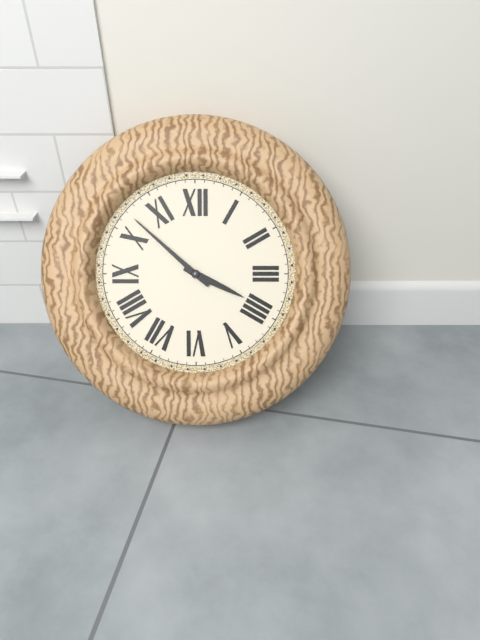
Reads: 3 h 52 min
